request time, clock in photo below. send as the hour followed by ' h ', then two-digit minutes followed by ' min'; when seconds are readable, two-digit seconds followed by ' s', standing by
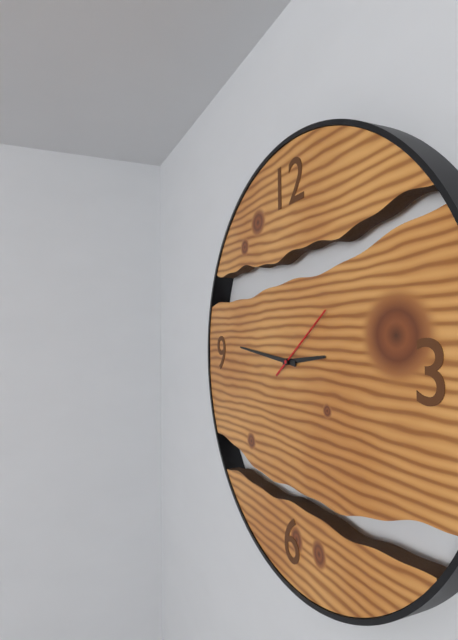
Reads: 2 h 46 min 09 s
